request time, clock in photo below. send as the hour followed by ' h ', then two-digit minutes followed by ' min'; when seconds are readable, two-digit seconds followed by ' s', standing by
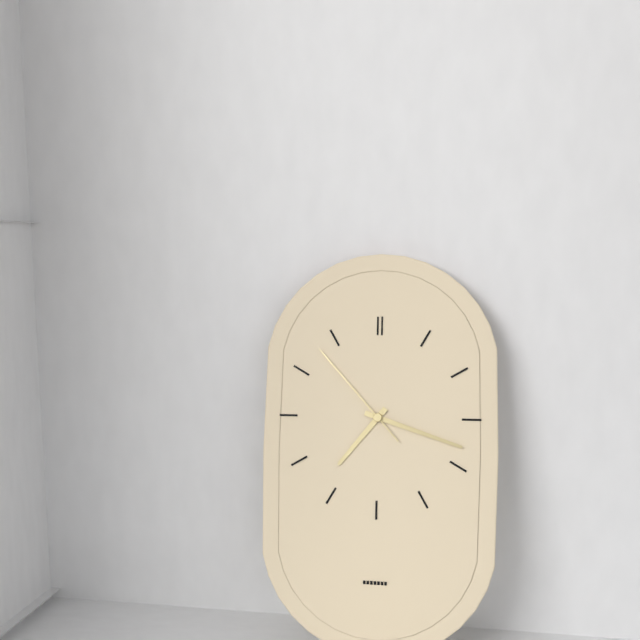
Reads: 7 h 18 min 53 s
